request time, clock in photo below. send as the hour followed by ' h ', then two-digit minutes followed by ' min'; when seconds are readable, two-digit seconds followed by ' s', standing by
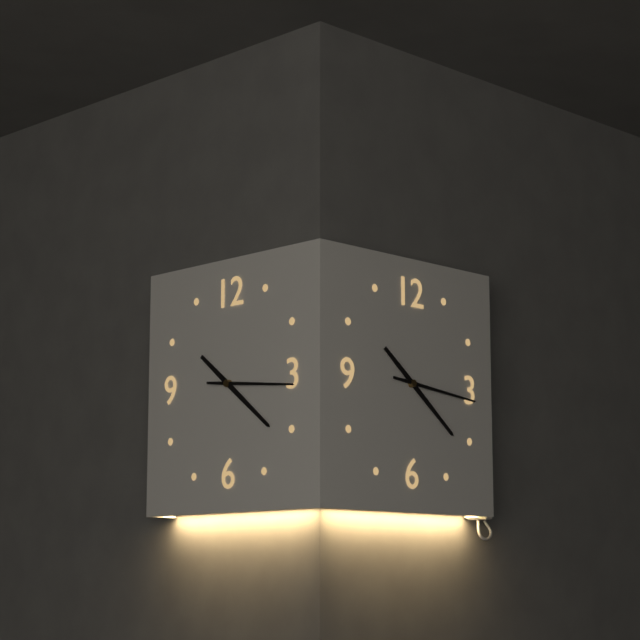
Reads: 4 h 16 min
